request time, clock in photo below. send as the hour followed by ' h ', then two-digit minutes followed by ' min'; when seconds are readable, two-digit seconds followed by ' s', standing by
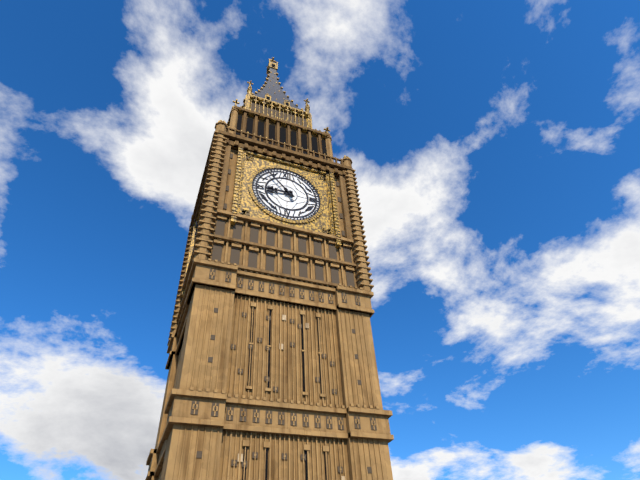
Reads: 8 h 53 min
